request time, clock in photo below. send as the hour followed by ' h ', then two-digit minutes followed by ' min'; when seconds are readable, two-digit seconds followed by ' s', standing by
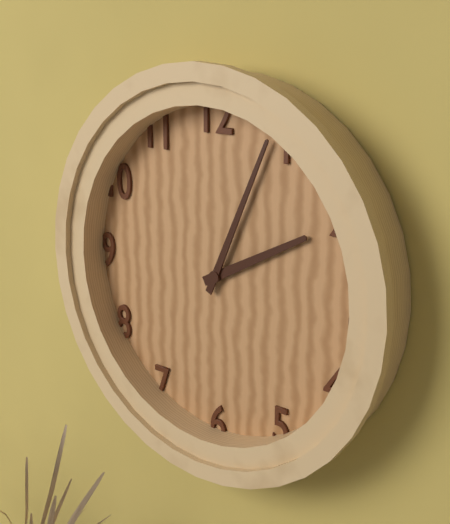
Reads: 2 h 04 min
